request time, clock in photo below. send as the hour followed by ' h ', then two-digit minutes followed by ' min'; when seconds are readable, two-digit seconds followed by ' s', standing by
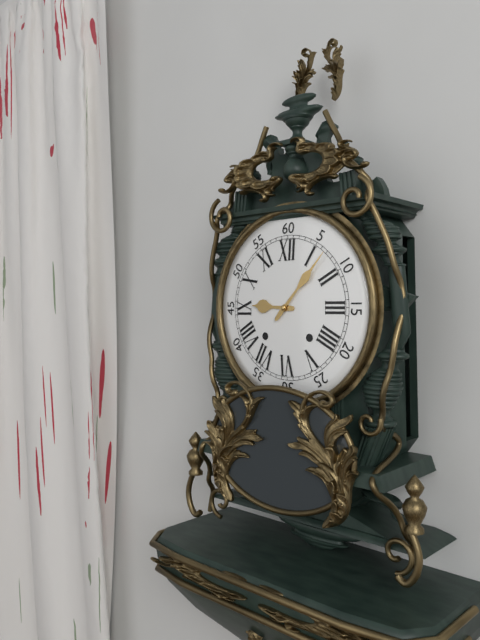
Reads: 9 h 07 min
